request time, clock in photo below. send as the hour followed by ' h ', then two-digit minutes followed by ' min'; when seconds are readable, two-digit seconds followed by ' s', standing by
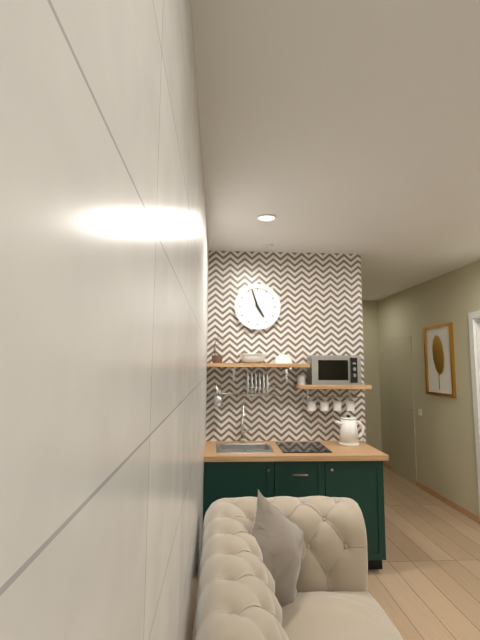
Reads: 4 h 57 min
